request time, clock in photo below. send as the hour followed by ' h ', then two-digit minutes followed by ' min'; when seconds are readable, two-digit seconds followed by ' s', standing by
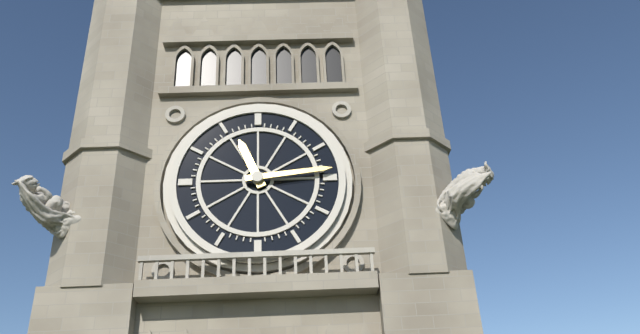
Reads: 11 h 14 min
